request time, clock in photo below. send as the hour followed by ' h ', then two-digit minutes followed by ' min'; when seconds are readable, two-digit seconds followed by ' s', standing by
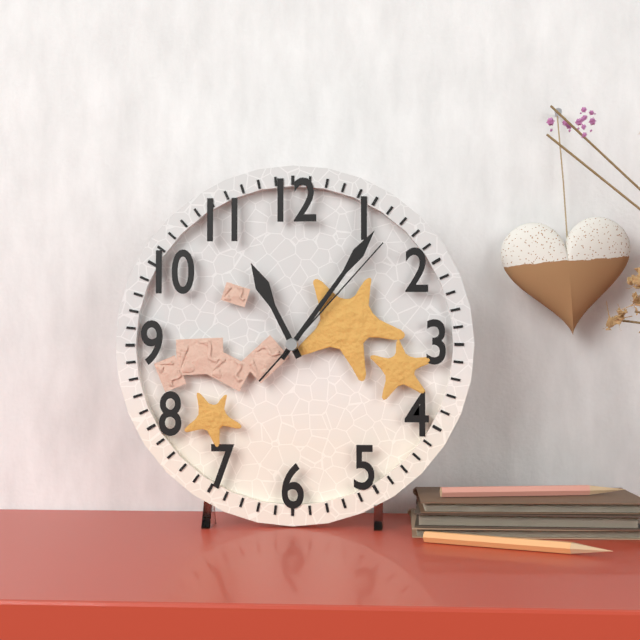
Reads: 11 h 06 min 07 s
